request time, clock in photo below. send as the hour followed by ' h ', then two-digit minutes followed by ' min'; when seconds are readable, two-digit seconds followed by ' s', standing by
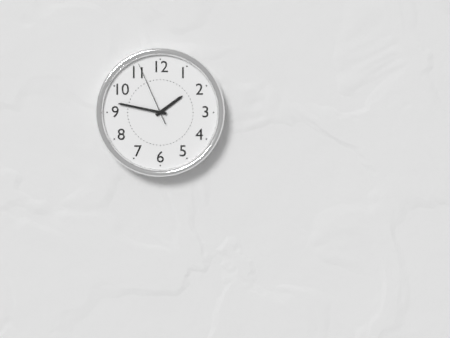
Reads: 1 h 47 min 56 s
